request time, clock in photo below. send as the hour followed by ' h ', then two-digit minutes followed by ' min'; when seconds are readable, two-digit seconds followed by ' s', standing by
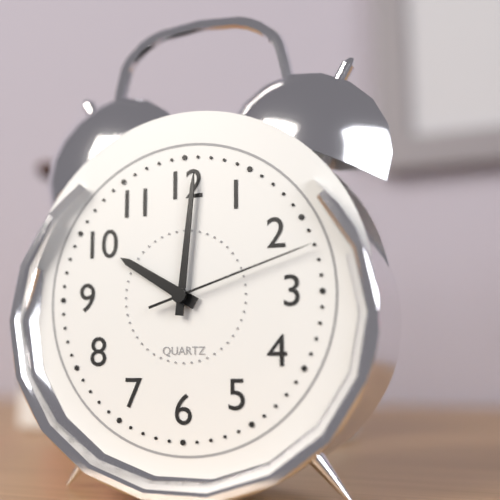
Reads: 10 h 01 min 12 s
